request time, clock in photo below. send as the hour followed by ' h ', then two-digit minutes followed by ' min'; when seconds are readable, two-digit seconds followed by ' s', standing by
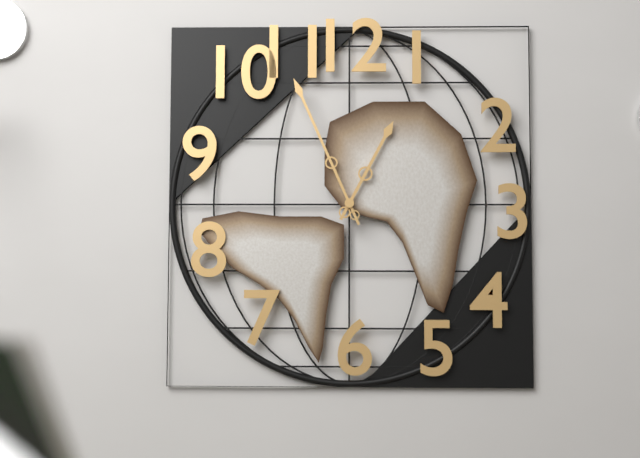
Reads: 12 h 56 min
